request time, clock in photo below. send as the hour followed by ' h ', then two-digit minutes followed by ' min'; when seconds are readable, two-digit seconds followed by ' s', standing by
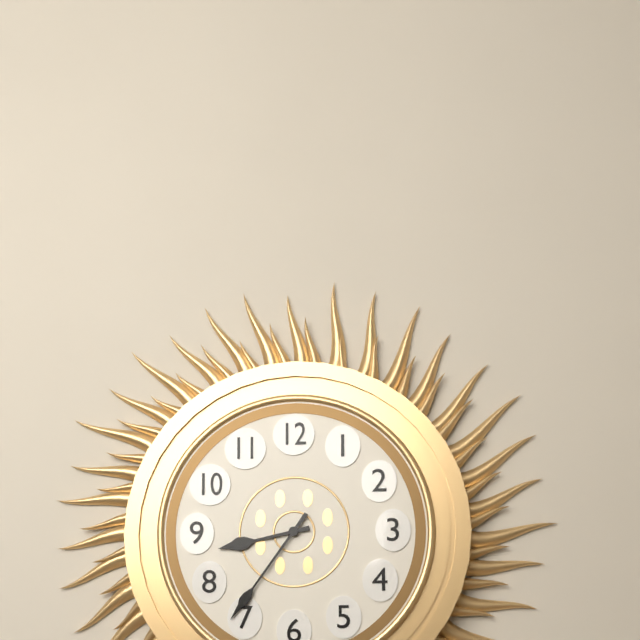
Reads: 8 h 36 min
